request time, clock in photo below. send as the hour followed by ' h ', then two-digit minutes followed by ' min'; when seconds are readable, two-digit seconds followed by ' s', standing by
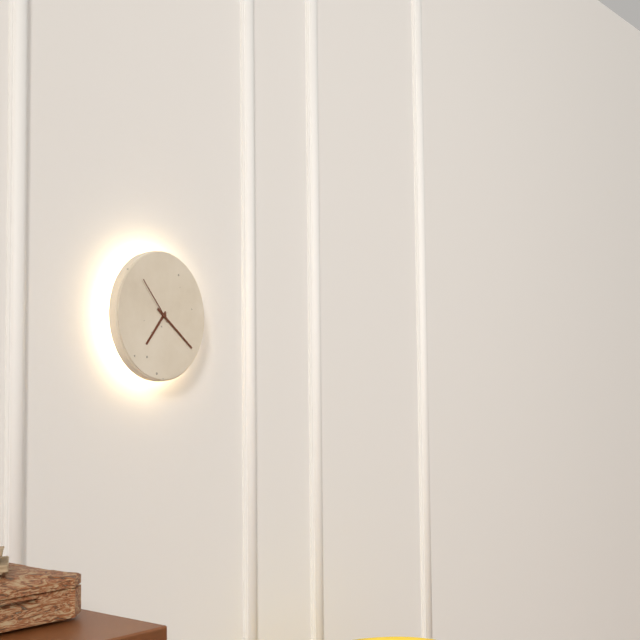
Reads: 7 h 21 min 53 s
